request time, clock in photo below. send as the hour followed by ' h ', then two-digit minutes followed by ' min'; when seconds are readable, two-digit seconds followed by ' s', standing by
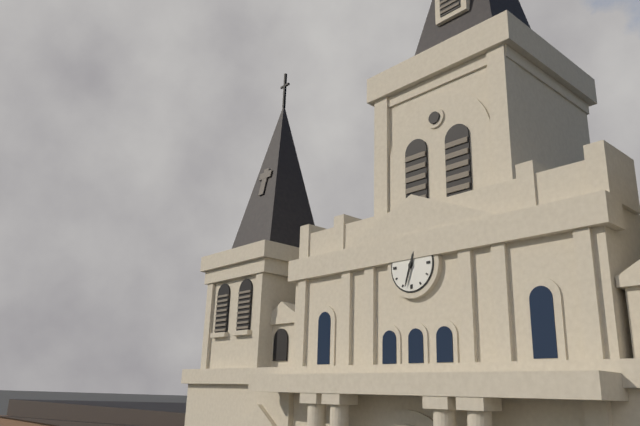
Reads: 12 h 33 min
